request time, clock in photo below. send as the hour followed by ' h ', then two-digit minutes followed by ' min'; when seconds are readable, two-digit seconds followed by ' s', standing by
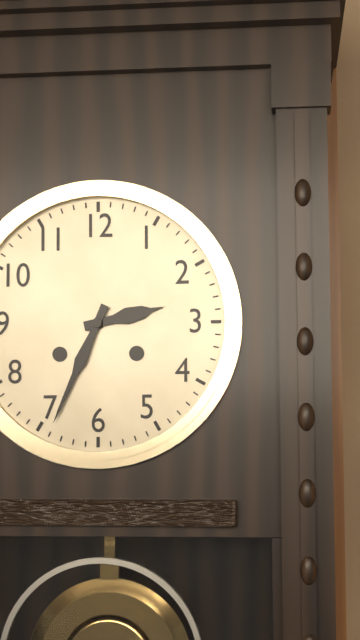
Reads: 2 h 34 min
